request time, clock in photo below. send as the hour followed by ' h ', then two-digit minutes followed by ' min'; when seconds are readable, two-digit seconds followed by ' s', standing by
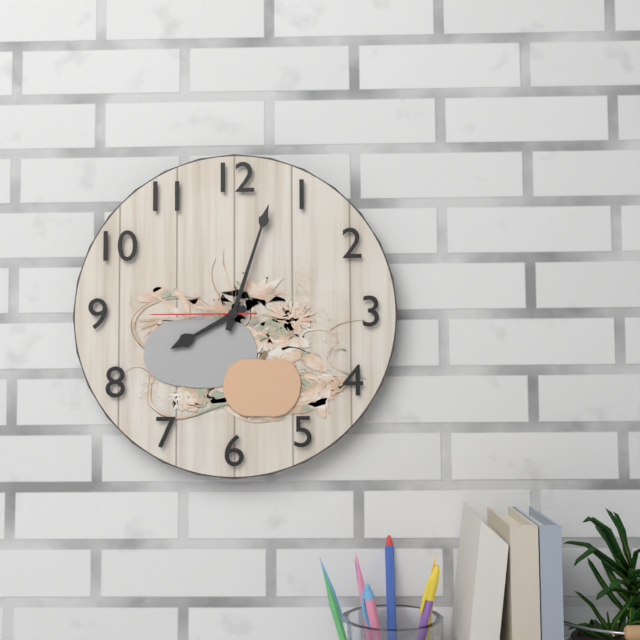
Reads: 8 h 03 min 45 s
